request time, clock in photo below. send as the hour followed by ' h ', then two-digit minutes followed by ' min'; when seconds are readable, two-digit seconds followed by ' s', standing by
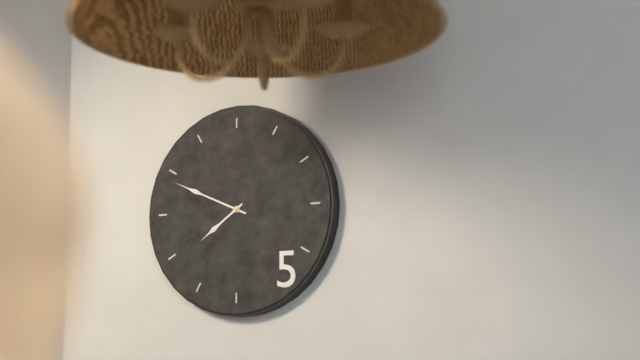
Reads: 7 h 49 min
